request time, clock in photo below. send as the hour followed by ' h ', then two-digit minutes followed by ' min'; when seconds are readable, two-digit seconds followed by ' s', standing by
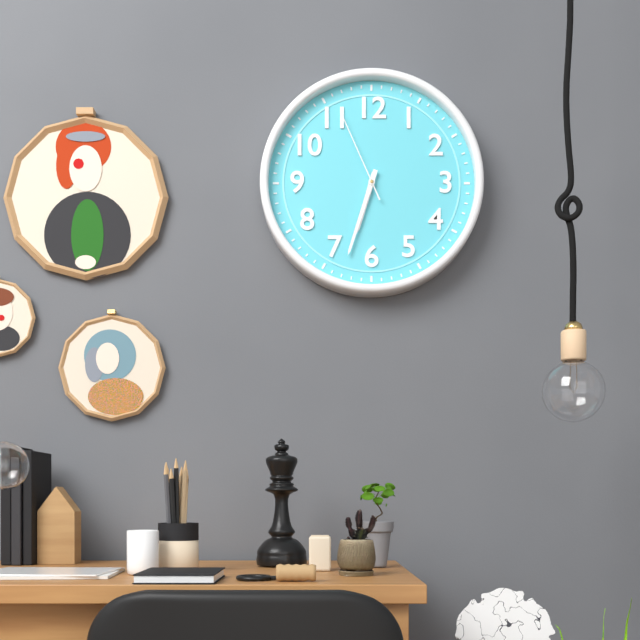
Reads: 6 h 33 min 56 s
